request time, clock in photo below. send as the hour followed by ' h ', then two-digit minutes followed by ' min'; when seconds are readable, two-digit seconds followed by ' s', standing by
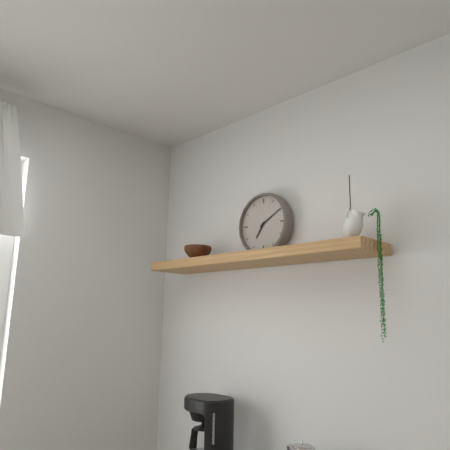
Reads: 7 h 10 min
